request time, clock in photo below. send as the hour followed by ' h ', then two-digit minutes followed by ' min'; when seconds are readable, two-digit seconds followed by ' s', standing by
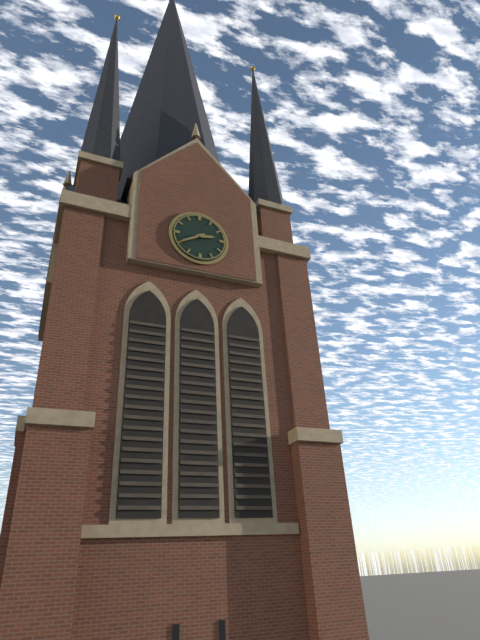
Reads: 2 h 40 min
